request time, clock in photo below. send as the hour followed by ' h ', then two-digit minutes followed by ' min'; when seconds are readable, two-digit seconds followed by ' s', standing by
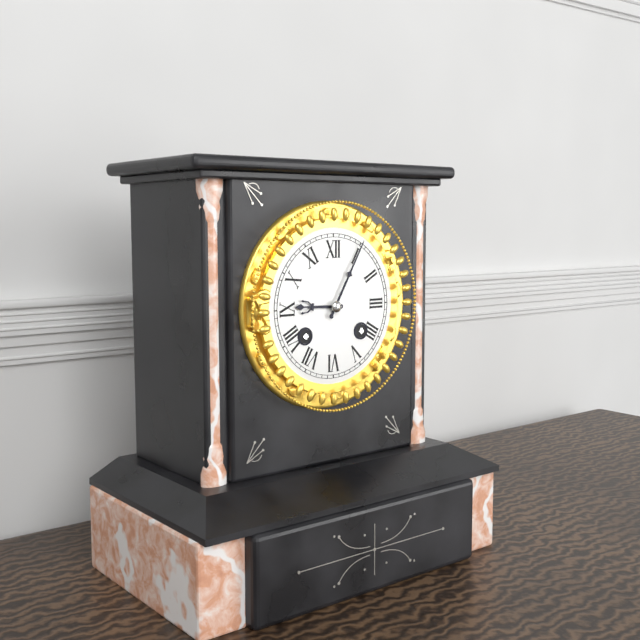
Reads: 9 h 05 min
